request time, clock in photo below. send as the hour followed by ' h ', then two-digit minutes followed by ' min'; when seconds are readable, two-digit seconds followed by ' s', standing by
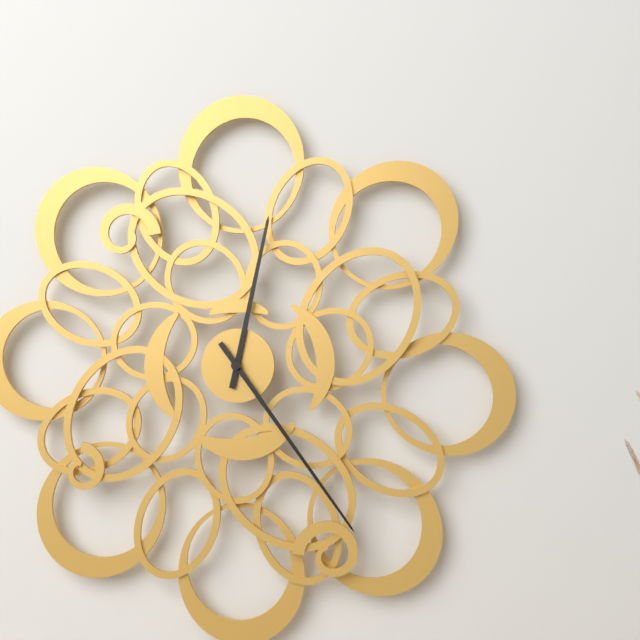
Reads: 12 h 24 min
